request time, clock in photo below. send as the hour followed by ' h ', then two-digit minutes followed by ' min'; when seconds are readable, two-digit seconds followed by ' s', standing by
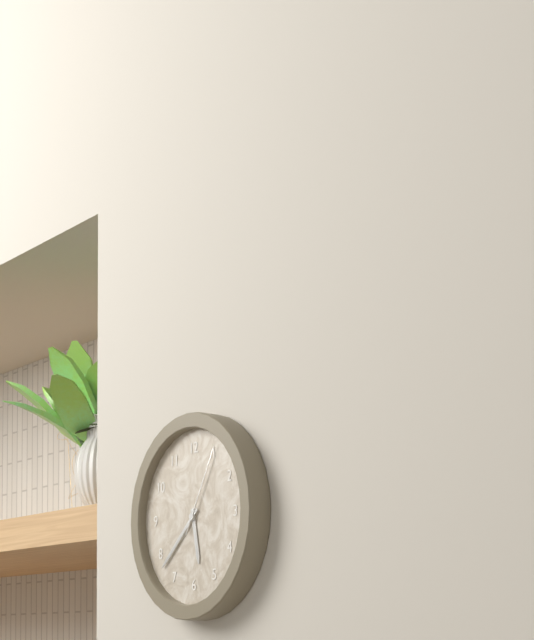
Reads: 5 h 38 min 05 s
